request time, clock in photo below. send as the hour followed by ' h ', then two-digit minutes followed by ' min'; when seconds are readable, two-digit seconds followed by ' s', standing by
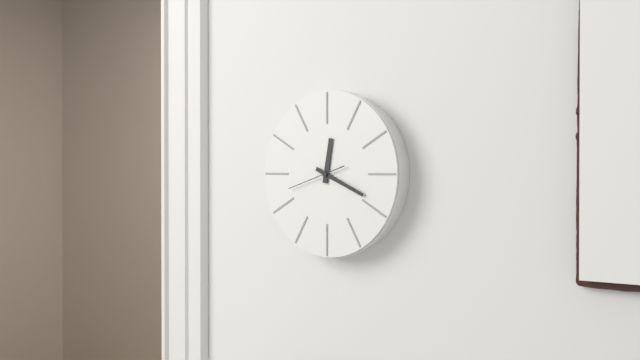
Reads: 12 h 19 min
